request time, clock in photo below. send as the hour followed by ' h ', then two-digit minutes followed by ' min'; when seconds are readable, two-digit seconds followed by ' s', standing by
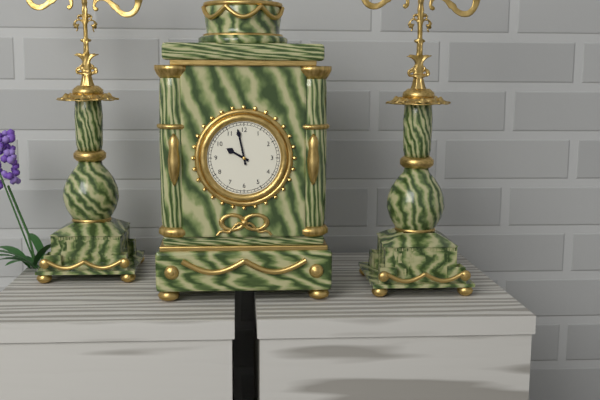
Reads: 9 h 58 min
